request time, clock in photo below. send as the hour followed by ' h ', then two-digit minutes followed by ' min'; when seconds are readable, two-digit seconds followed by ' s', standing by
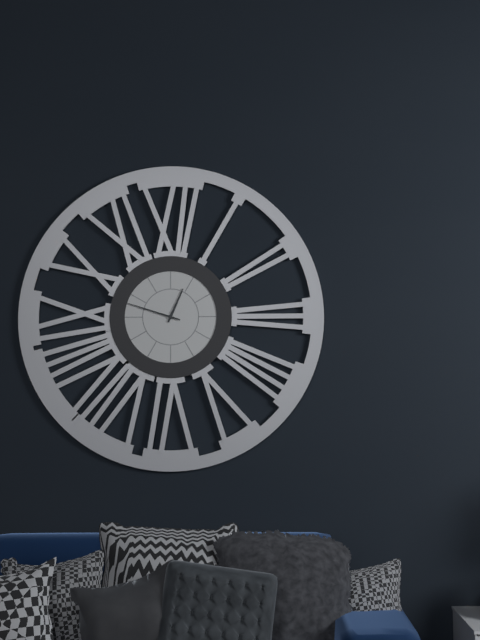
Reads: 12 h 48 min
